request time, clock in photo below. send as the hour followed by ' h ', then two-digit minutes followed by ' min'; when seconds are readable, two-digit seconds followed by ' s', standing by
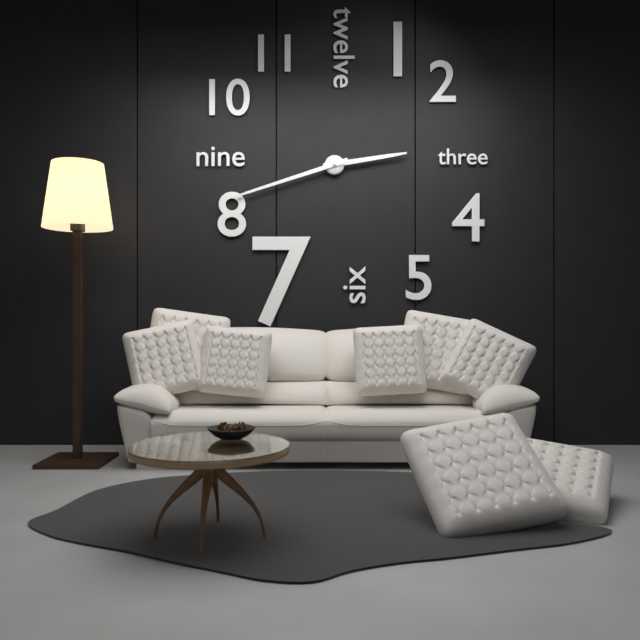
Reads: 2 h 42 min
